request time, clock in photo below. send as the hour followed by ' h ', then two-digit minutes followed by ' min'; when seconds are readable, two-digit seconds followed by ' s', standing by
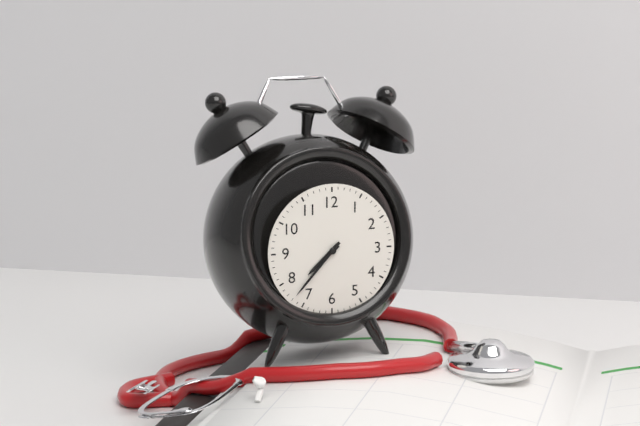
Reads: 7 h 37 min
